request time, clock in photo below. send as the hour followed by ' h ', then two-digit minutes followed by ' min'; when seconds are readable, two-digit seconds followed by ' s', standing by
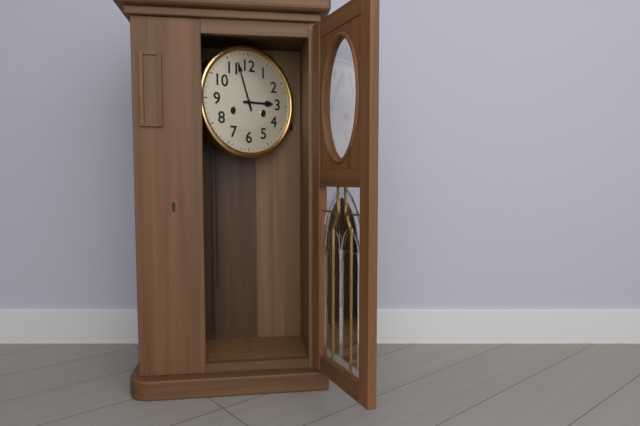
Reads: 2 h 57 min
